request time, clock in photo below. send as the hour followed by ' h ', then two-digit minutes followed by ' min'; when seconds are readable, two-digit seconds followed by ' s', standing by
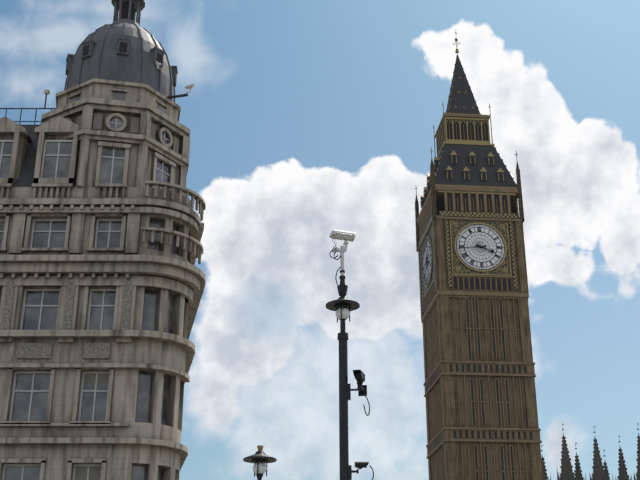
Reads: 3 h 44 min
